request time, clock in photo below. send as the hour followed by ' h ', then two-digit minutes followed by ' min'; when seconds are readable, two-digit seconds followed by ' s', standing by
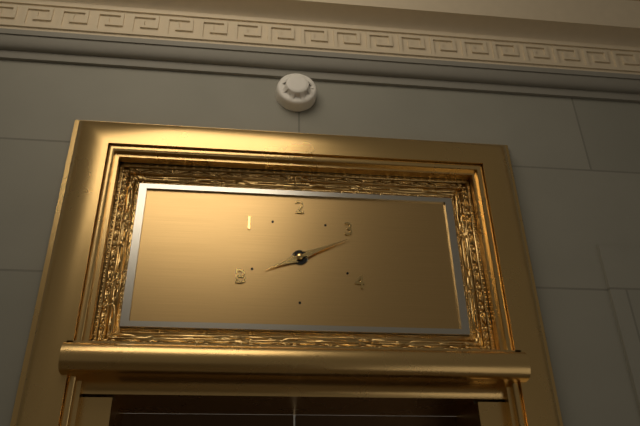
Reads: 8 h 11 min
